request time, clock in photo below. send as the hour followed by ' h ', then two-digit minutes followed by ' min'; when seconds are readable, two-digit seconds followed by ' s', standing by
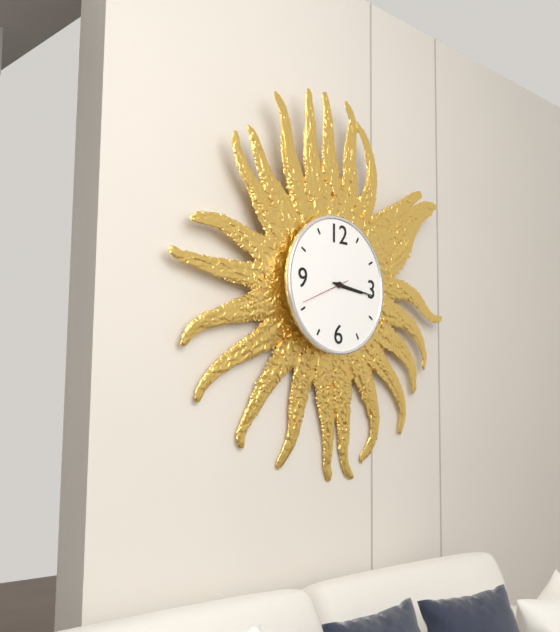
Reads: 3 h 16 min
